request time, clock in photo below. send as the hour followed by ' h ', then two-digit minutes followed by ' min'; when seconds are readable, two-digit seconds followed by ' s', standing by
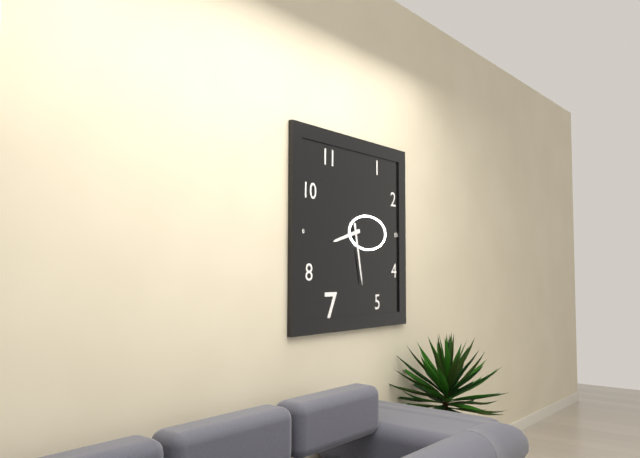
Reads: 8 h 28 min
